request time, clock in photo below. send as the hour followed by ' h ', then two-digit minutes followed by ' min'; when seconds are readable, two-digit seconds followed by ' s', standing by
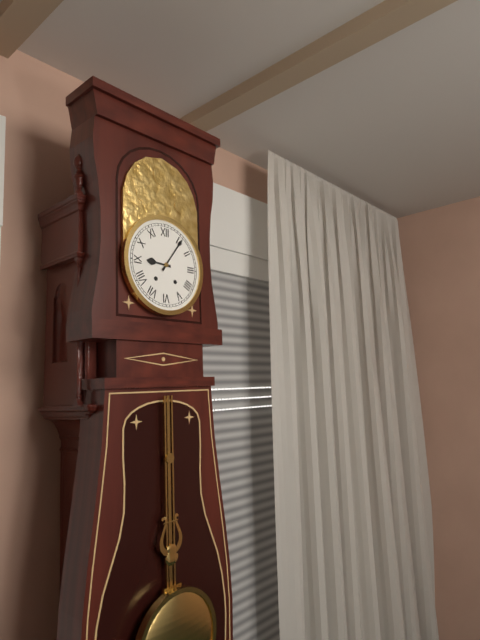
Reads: 9 h 06 min
